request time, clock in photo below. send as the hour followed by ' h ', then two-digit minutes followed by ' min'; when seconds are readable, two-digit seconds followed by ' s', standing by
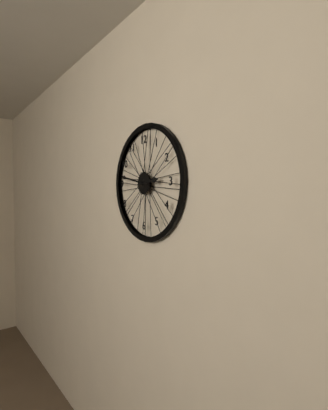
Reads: 2 h 47 min
